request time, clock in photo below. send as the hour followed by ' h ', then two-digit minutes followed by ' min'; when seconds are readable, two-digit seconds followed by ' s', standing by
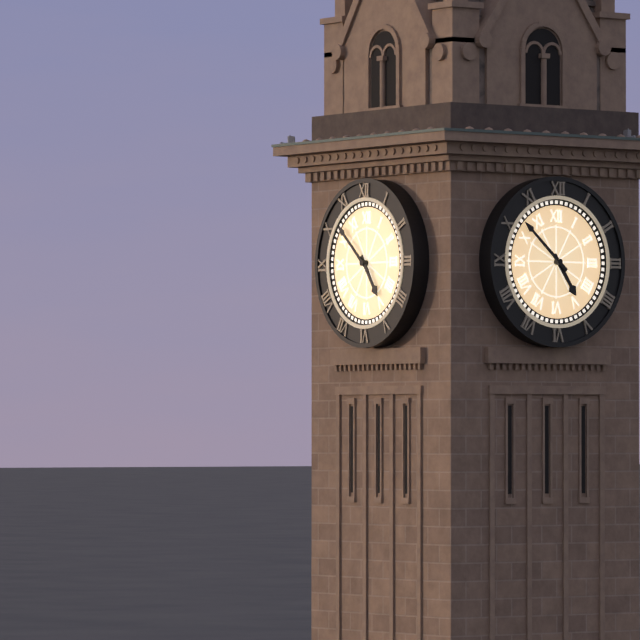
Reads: 4 h 52 min
